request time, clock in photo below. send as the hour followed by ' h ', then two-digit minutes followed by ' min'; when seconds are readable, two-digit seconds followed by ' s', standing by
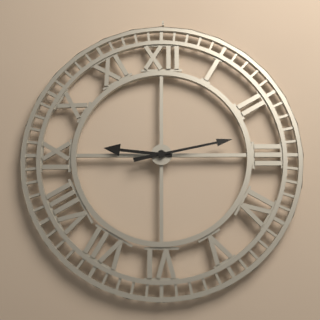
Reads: 9 h 13 min
